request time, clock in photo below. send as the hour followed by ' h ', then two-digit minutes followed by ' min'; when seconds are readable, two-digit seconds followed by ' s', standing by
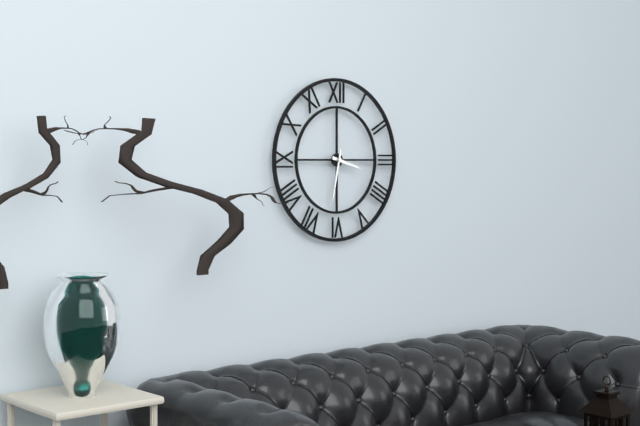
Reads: 3 h 32 min
